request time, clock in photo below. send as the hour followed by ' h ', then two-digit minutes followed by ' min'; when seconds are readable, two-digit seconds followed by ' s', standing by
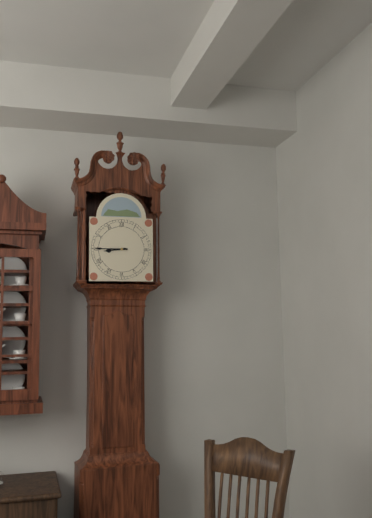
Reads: 8 h 45 min
